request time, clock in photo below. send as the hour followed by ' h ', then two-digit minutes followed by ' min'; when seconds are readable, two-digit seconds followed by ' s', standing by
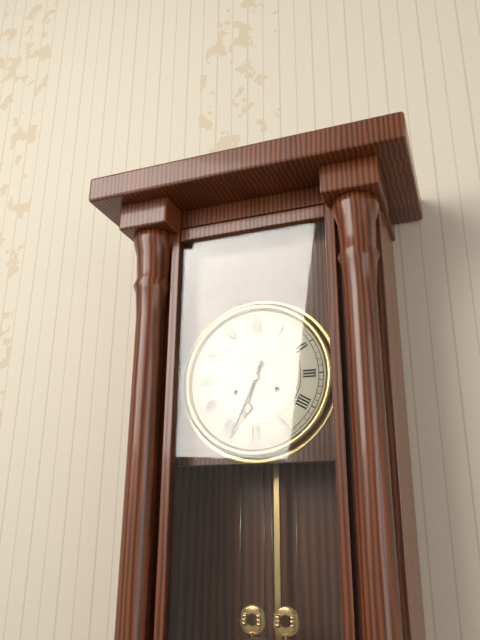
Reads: 6 h 34 min
